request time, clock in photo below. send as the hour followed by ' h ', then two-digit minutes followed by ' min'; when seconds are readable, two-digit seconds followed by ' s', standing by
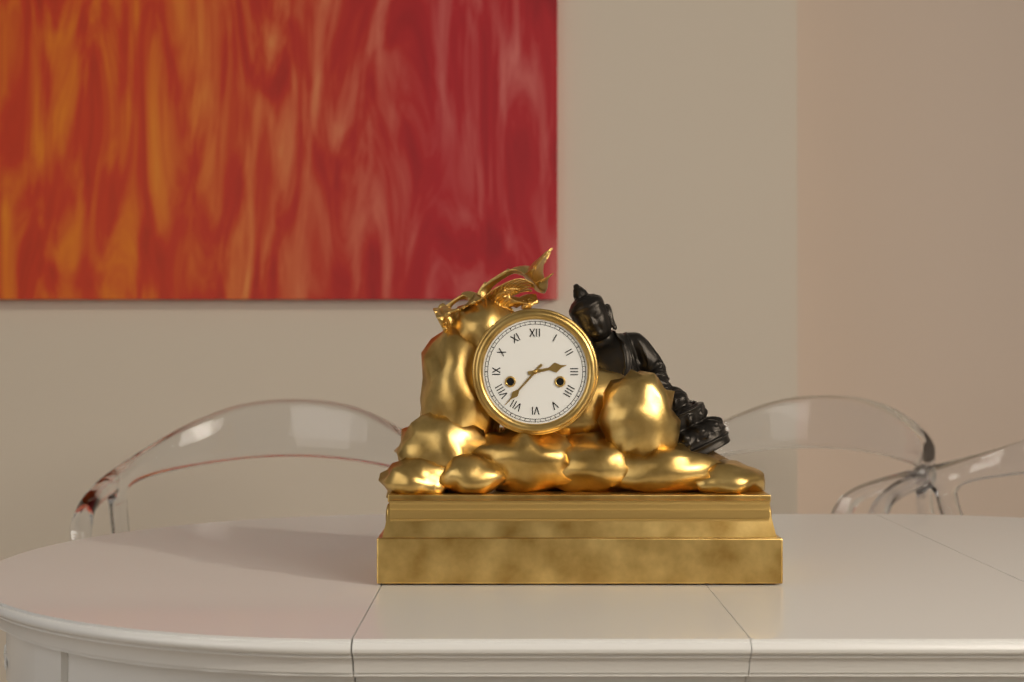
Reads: 2 h 37 min
